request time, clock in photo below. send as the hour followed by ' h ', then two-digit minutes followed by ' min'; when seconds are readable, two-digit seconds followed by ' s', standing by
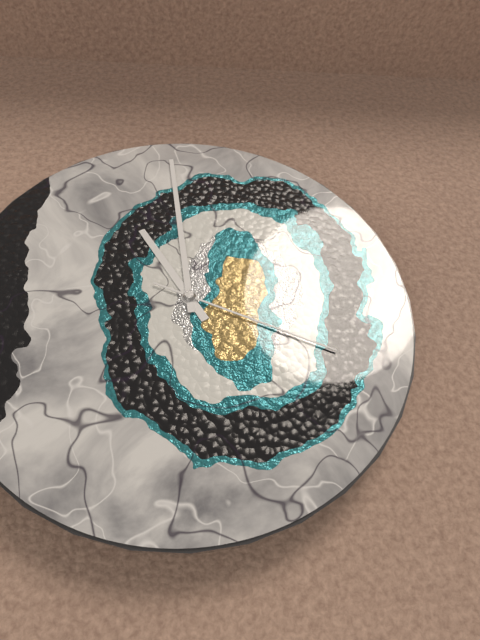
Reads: 10 h 59 min 19 s
